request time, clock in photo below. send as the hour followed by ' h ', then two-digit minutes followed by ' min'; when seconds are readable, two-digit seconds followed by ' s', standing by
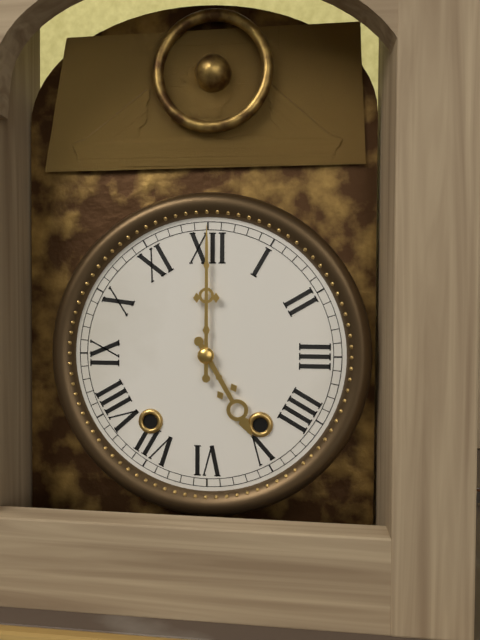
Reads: 5 h 00 min
